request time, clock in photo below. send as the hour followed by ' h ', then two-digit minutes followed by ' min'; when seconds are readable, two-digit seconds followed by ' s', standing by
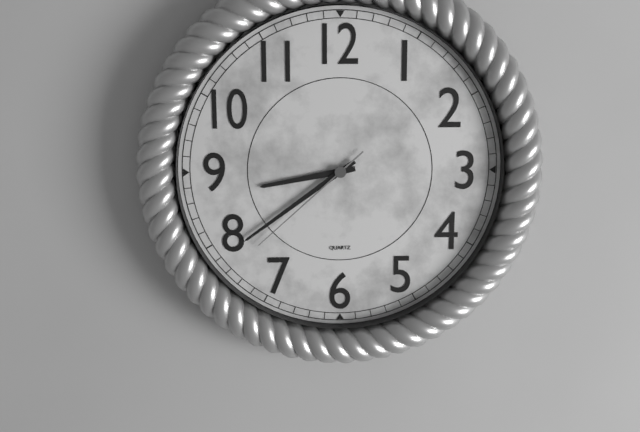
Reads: 8 h 39 min 38 s
